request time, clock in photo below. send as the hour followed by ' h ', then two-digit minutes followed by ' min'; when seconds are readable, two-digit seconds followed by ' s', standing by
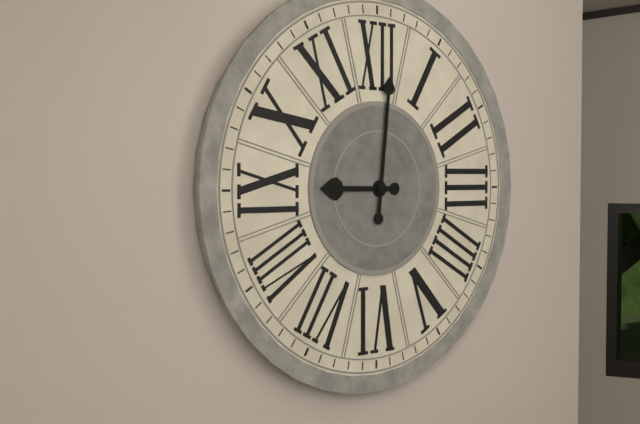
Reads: 9 h 01 min
